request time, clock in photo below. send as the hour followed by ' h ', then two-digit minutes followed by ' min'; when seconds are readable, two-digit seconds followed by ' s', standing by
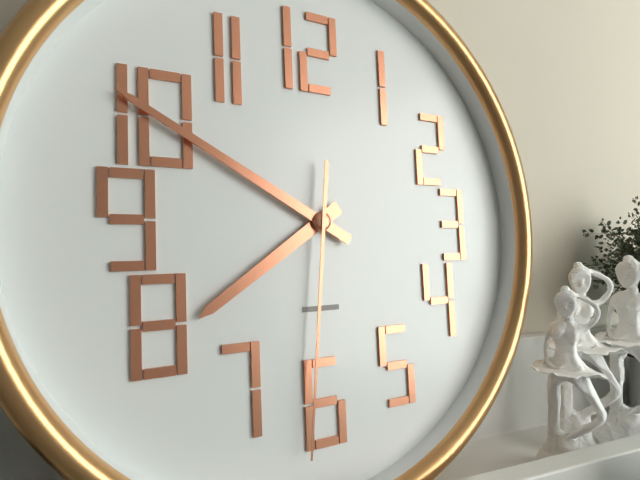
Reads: 7 h 50 min 31 s
